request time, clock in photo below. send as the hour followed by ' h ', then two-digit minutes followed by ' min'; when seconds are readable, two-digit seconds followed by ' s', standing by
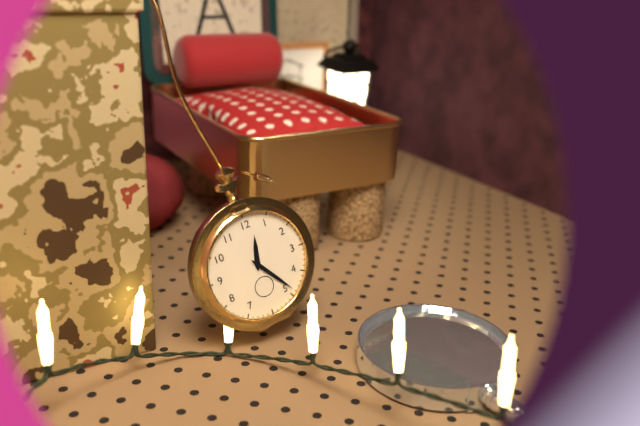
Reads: 12 h 24 min
